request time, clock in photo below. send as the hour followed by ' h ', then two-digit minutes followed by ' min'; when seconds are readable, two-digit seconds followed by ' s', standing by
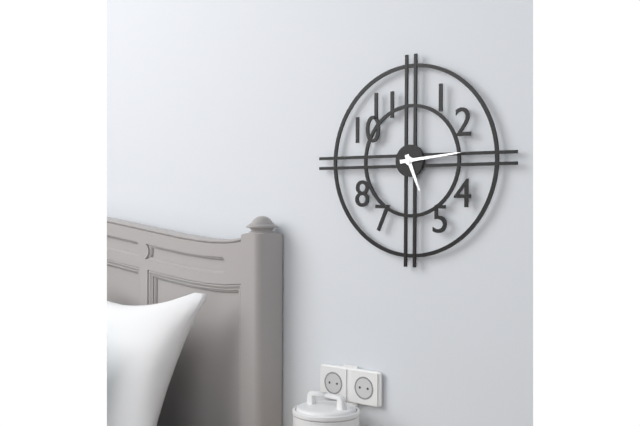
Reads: 5 h 14 min
